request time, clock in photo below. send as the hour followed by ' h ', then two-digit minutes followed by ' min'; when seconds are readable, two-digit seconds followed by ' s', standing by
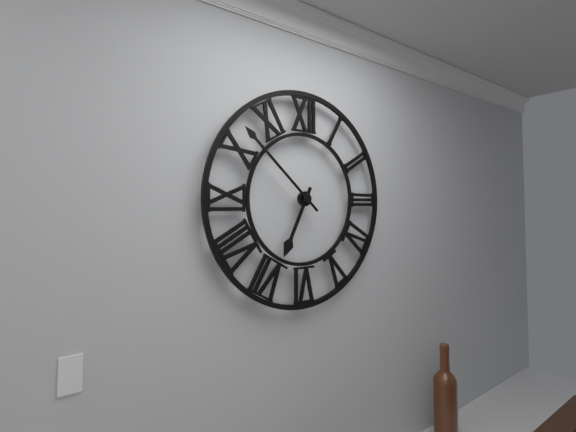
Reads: 6 h 52 min
